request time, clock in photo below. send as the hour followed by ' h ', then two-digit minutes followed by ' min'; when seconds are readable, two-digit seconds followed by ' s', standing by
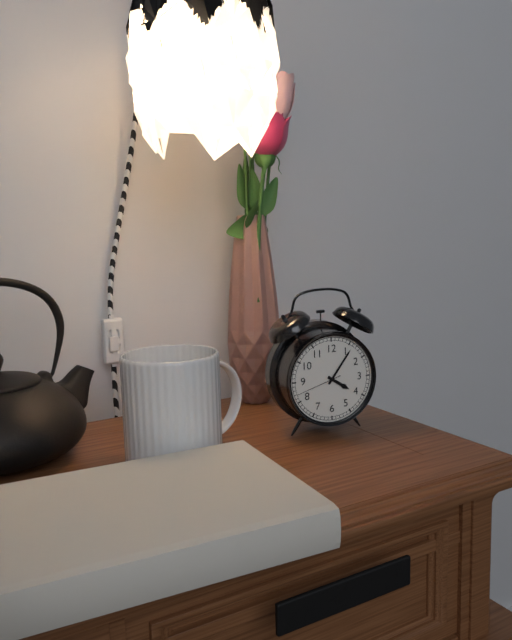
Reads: 4 h 06 min
